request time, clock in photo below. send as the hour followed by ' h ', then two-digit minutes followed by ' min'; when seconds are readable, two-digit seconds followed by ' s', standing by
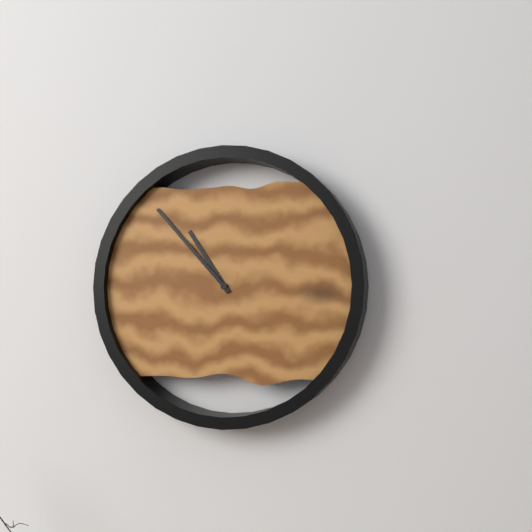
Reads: 10 h 53 min
